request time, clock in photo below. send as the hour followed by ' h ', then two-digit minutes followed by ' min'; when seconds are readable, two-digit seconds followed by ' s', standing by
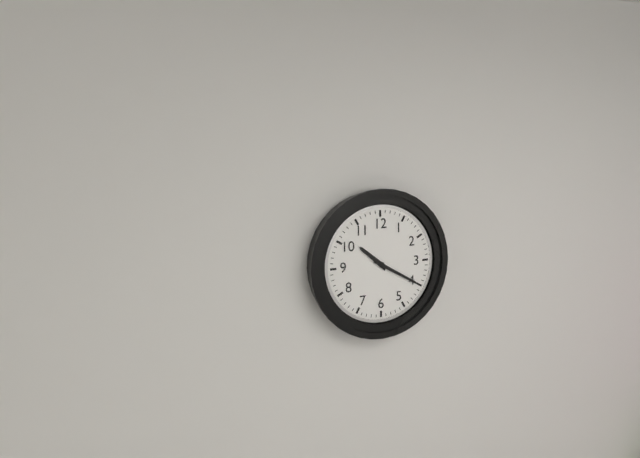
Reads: 10 h 20 min
